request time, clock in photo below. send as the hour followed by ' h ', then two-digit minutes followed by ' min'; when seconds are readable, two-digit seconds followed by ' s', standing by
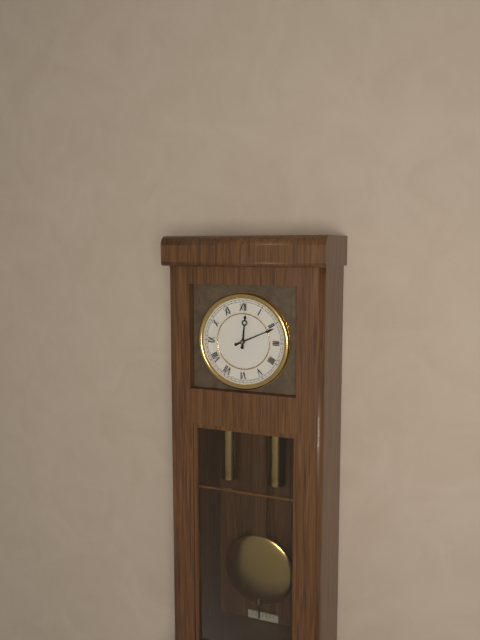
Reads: 12 h 11 min
